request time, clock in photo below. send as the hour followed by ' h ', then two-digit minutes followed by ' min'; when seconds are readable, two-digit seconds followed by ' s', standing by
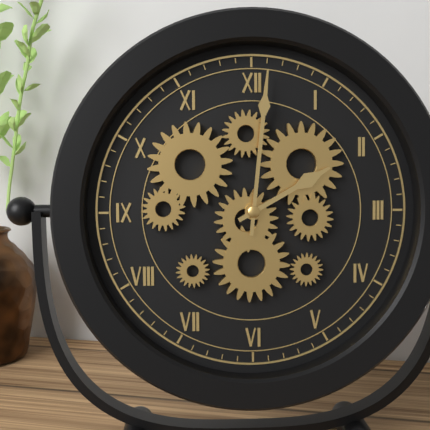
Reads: 2 h 01 min
